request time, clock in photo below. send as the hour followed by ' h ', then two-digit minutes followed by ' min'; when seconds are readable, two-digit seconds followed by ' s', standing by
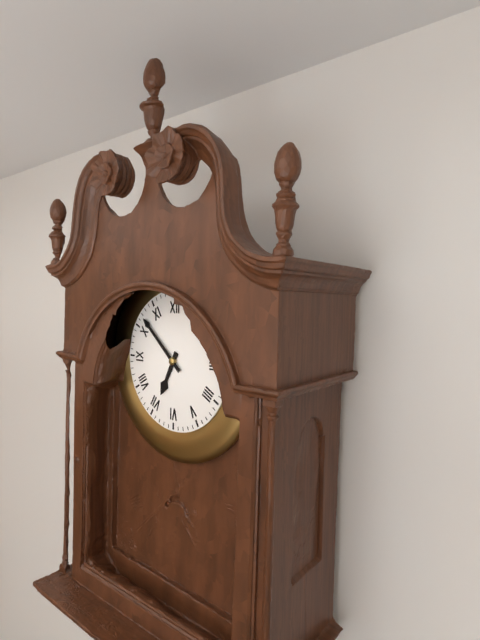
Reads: 6 h 52 min
